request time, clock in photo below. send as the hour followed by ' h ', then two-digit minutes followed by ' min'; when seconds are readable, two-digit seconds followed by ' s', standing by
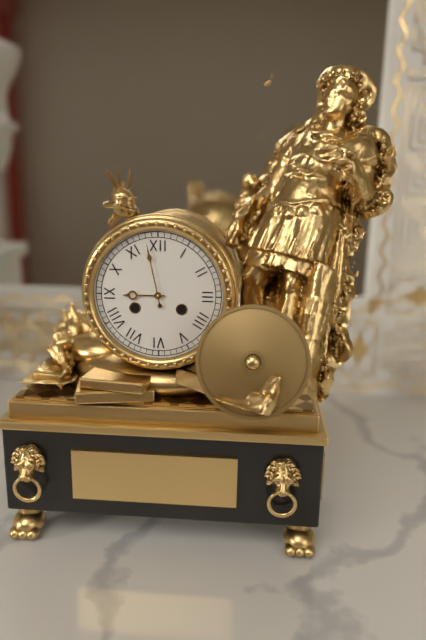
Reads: 8 h 58 min
